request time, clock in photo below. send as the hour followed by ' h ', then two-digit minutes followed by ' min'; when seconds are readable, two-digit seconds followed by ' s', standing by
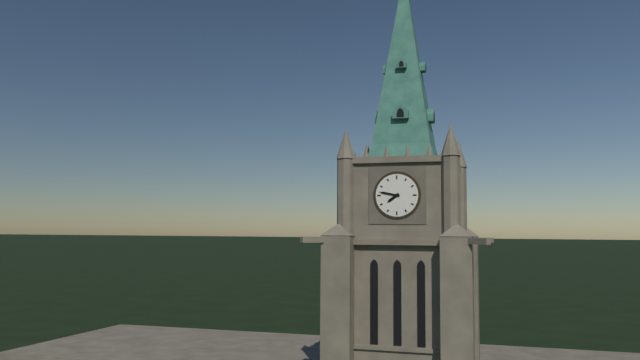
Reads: 7 h 47 min
